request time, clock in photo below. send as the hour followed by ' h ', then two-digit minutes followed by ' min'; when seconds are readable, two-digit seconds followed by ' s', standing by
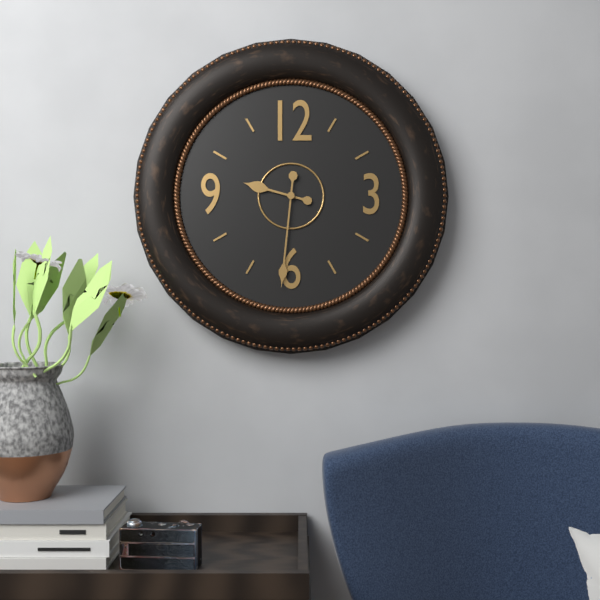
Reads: 9 h 31 min
